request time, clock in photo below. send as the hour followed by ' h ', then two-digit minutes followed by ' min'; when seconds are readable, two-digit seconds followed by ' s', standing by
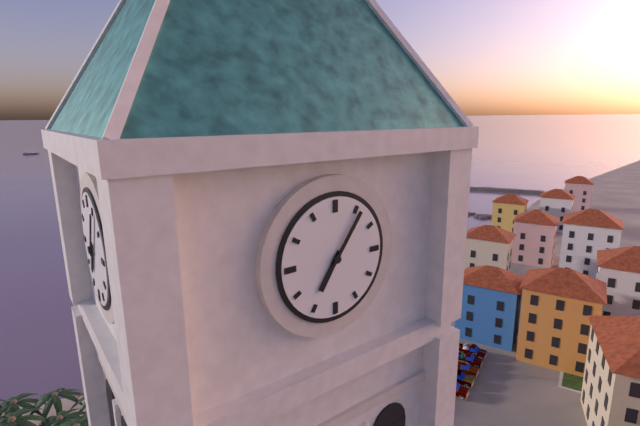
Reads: 7 h 06 min
